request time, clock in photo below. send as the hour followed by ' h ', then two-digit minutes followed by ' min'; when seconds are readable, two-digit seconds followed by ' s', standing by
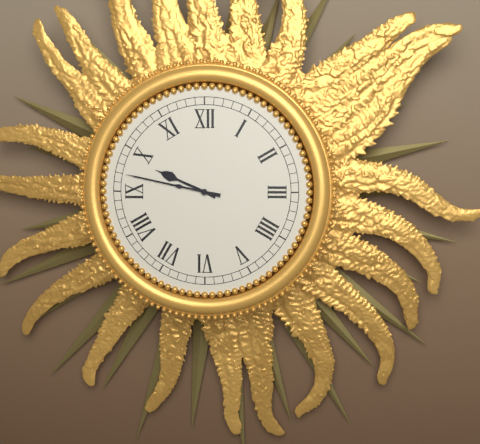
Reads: 9 h 47 min
